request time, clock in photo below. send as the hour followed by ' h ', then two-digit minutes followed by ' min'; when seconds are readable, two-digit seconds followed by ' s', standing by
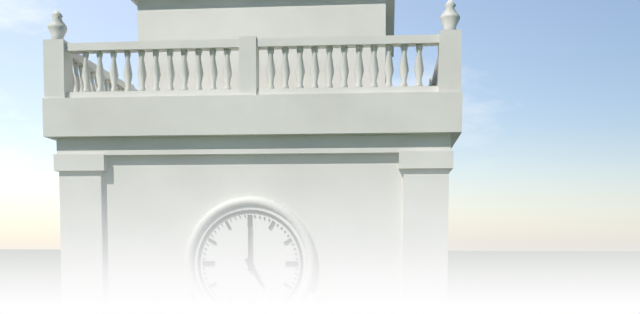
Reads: 5 h 00 min
